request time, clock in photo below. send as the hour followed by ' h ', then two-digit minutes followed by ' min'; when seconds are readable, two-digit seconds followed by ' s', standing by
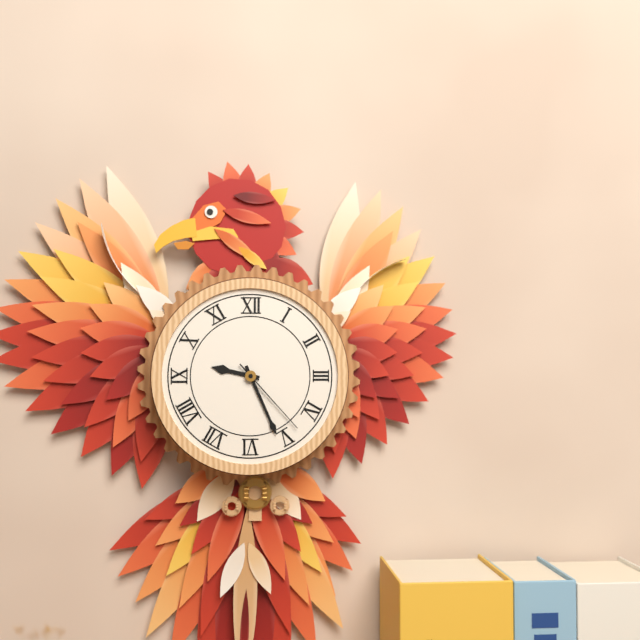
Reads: 9 h 26 min 23 s
